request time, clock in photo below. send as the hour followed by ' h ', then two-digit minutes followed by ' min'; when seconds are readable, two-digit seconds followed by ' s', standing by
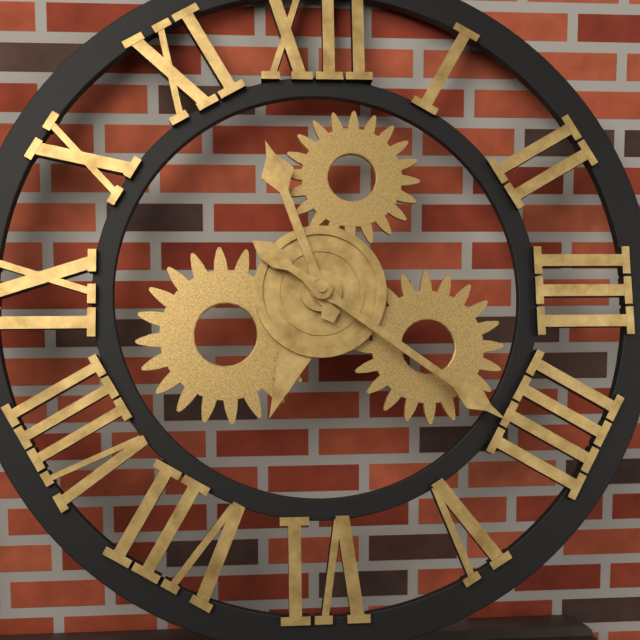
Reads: 11 h 21 min
